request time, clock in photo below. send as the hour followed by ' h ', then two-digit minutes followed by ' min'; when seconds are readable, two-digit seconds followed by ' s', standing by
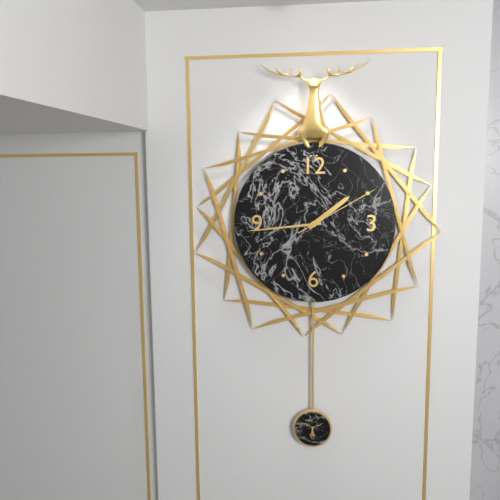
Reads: 1 h 44 min 10 s
